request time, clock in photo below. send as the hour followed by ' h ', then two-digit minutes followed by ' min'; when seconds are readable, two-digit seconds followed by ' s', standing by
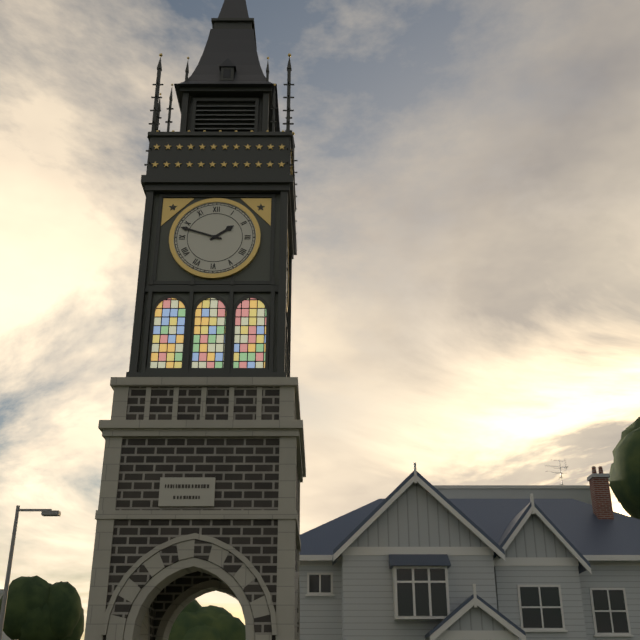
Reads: 1 h 48 min
